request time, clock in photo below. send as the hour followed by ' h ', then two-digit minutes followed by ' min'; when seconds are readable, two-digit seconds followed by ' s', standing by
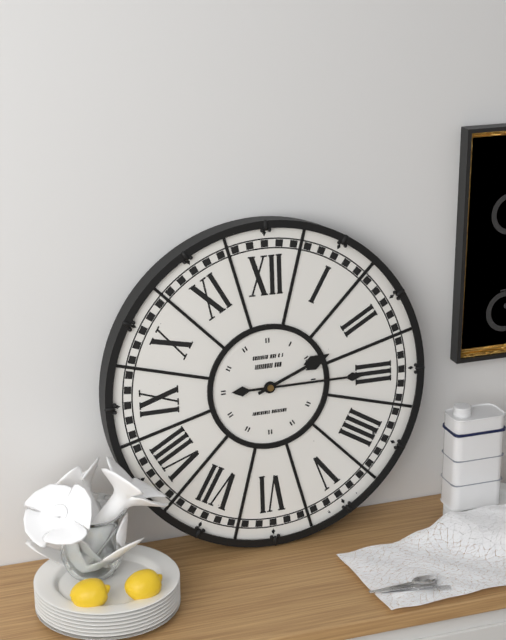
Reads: 2 h 15 min
